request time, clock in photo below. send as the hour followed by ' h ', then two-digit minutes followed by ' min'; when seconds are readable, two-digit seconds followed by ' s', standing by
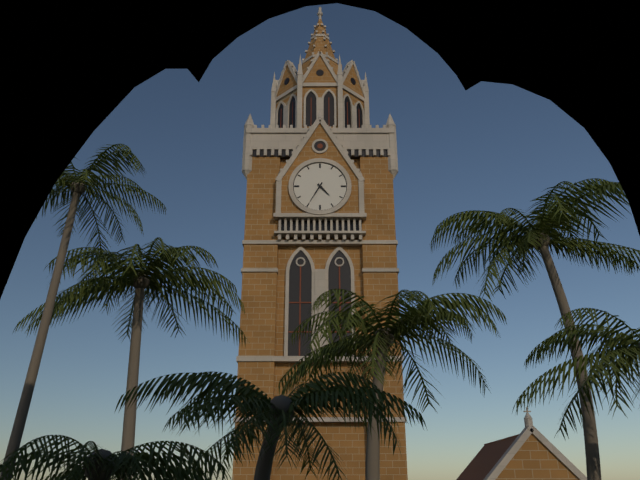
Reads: 4 h 35 min
